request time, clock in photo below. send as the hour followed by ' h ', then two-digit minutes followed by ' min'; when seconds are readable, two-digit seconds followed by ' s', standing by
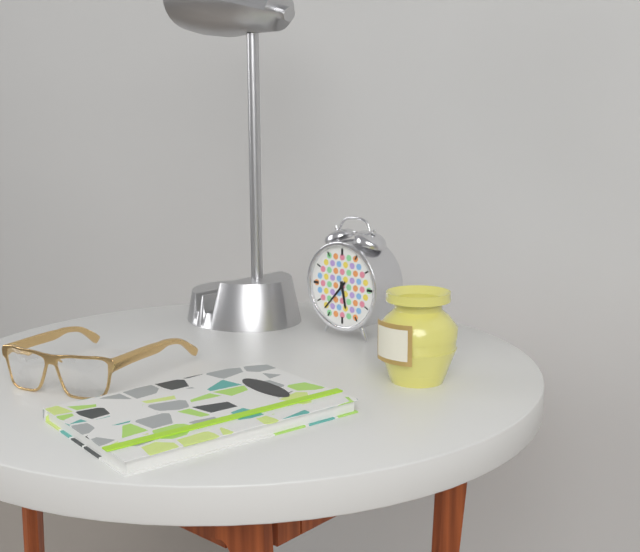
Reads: 5 h 37 min
